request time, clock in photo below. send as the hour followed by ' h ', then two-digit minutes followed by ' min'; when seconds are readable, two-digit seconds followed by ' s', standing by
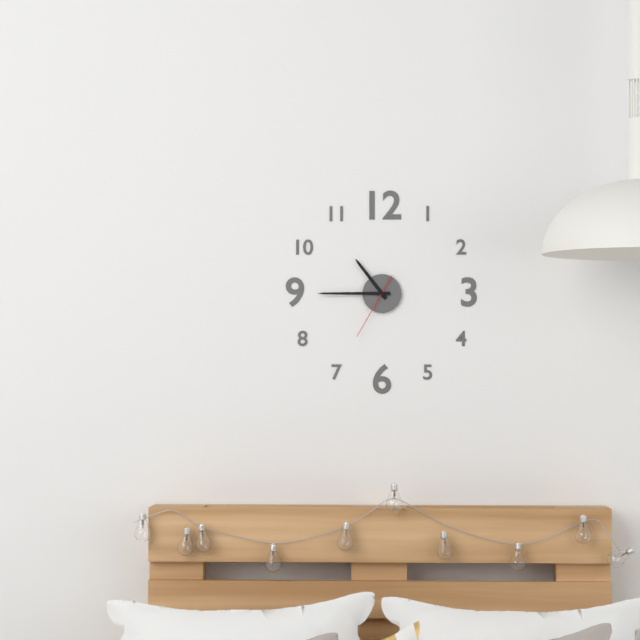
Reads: 10 h 45 min 35 s
